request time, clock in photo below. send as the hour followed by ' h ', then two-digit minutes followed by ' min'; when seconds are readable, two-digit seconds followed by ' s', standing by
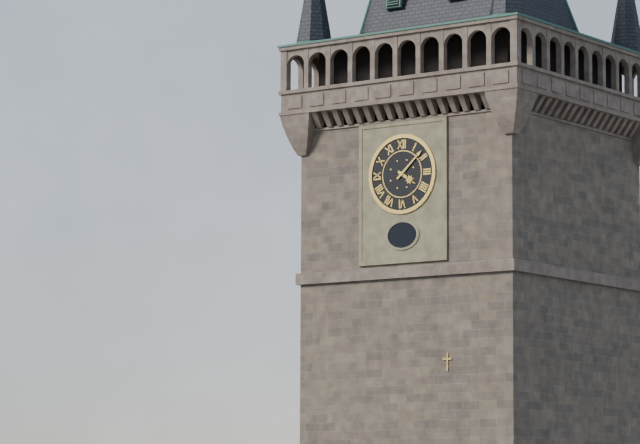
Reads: 4 h 08 min
